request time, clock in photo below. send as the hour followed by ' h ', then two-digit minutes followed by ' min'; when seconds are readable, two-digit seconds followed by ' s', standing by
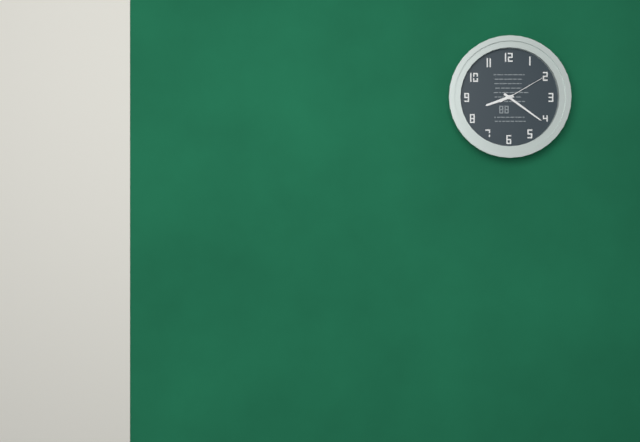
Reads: 8 h 21 min 10 s
